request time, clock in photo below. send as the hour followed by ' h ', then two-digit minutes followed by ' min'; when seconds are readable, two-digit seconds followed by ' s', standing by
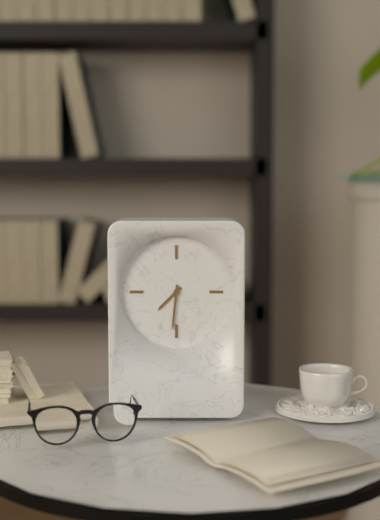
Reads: 7 h 31 min
